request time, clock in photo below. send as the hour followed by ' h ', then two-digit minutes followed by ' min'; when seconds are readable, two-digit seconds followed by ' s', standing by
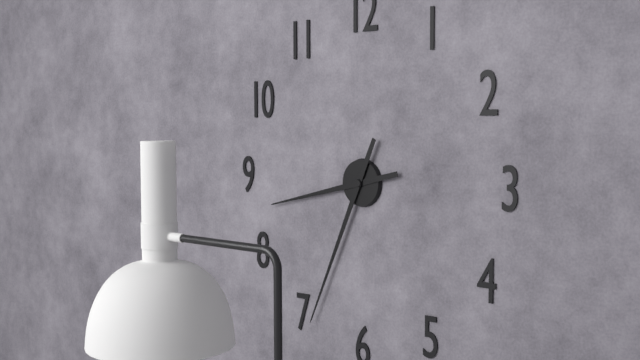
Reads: 8 h 34 min
